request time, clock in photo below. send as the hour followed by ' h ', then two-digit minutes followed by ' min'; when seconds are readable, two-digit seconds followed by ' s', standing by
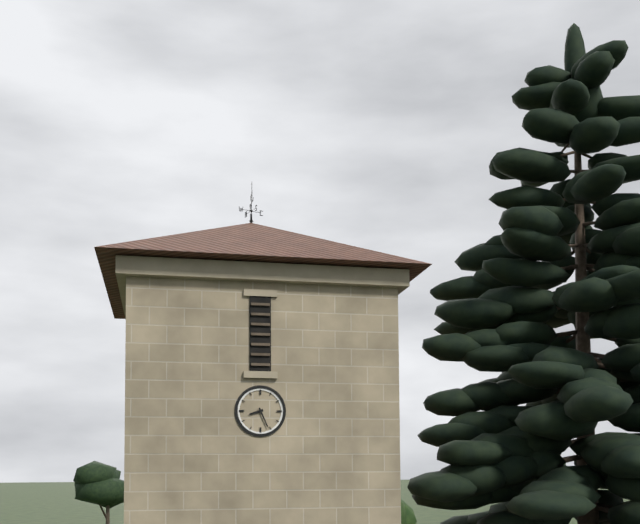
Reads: 8 h 26 min
